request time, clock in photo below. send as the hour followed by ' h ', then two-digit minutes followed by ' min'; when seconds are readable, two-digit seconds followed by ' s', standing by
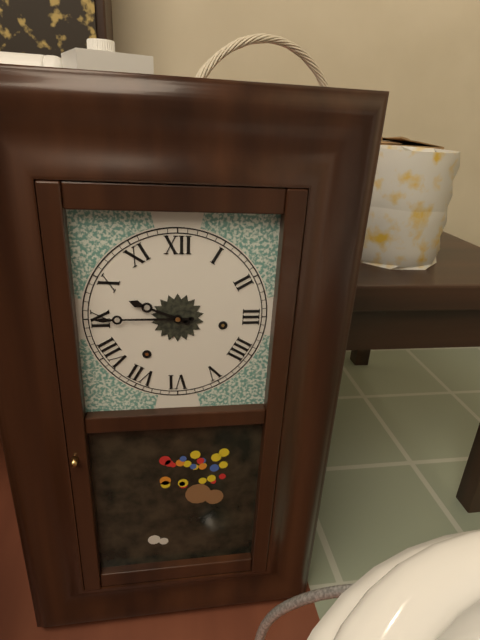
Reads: 9 h 45 min
